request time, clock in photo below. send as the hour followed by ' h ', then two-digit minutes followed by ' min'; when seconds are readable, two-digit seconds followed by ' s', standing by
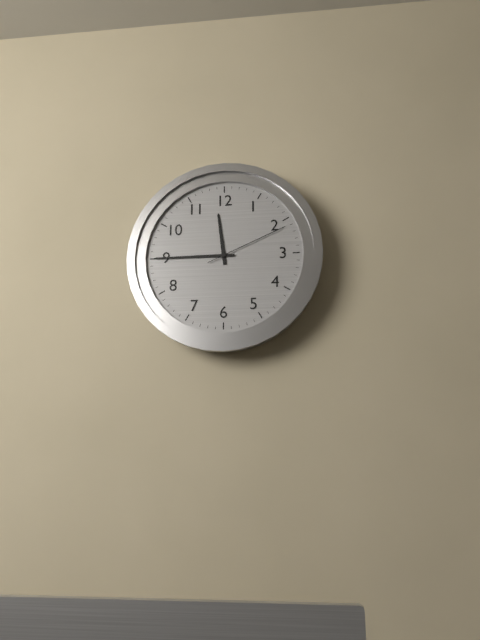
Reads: 11 h 45 min 11 s
